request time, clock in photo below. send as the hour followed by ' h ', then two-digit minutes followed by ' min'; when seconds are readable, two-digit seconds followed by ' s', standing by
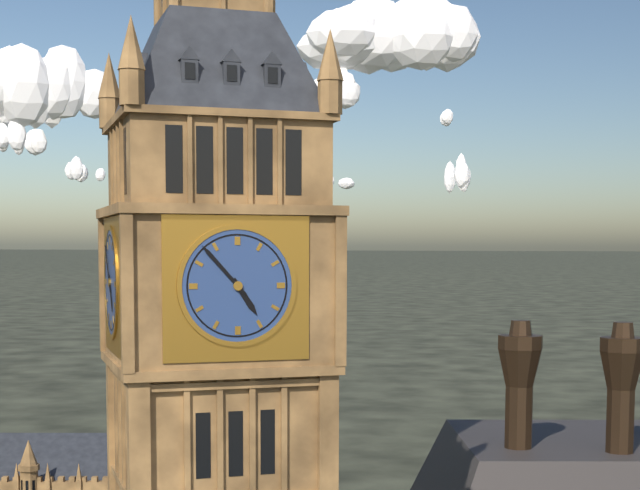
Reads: 4 h 53 min
